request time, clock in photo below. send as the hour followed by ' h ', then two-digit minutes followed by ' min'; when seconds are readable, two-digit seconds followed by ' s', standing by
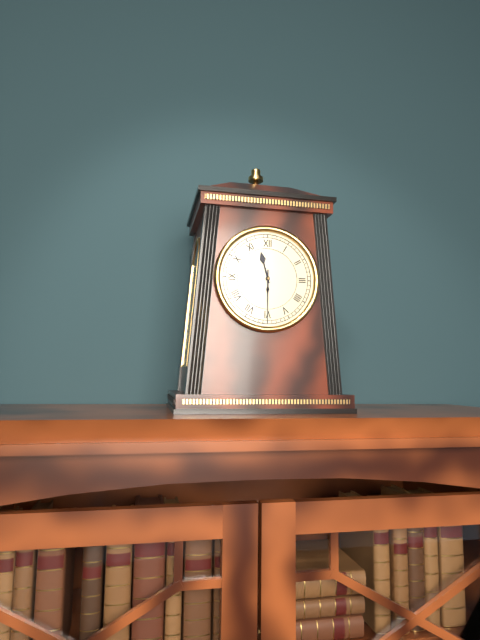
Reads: 11 h 30 min
